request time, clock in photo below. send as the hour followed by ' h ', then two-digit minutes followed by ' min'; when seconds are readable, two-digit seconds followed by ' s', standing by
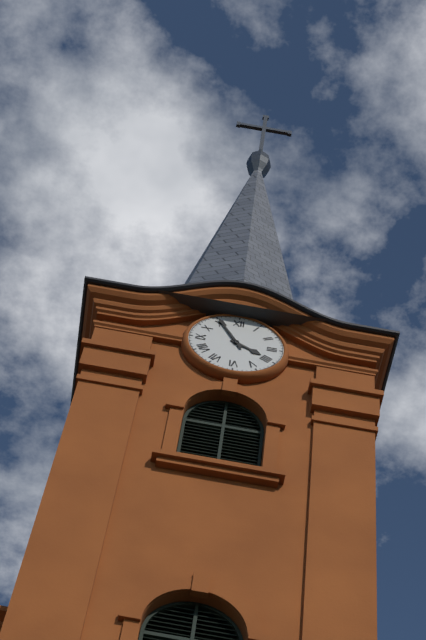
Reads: 3 h 55 min
